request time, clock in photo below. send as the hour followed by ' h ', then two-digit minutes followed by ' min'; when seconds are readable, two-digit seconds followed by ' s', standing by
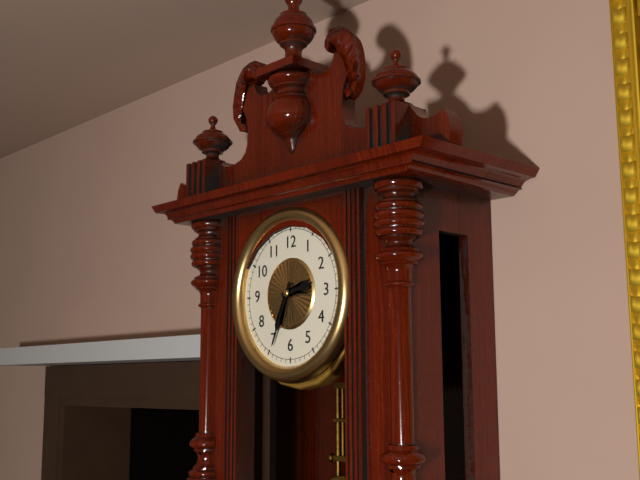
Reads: 2 h 34 min
